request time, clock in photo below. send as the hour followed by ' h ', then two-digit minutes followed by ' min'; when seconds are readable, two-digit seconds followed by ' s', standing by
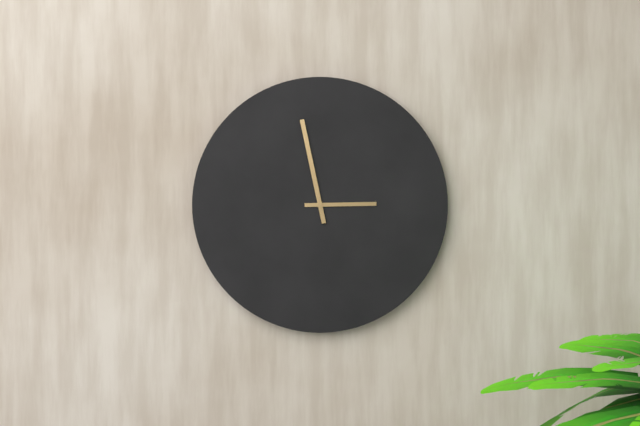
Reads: 2 h 58 min
